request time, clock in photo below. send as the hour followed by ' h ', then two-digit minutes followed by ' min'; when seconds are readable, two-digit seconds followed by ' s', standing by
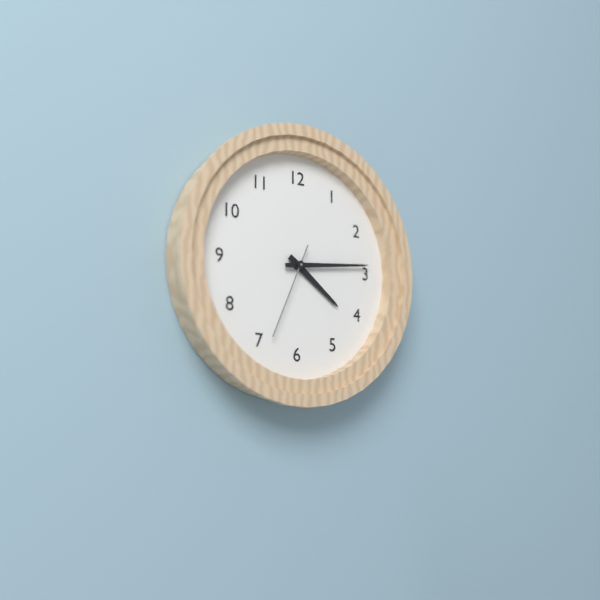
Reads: 4 h 14 min 34 s
